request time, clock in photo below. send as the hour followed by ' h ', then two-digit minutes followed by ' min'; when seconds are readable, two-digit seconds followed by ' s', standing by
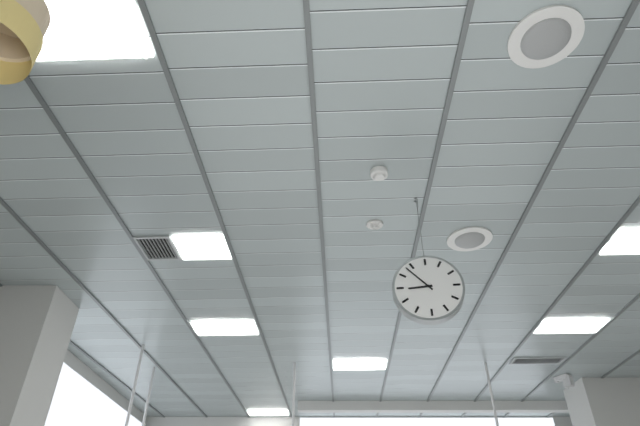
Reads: 8 h 53 min
